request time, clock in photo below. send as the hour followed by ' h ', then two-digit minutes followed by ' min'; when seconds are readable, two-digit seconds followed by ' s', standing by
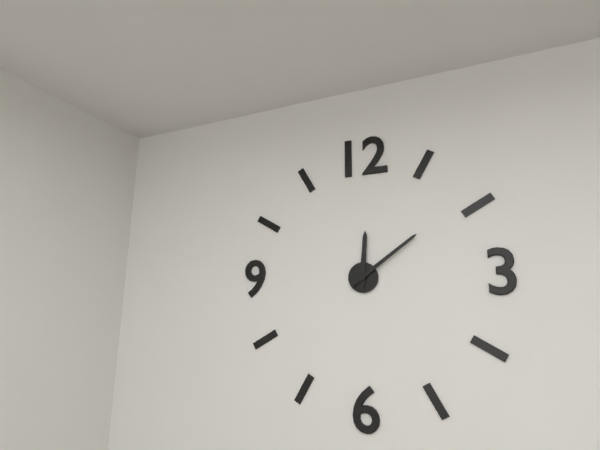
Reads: 12 h 09 min
